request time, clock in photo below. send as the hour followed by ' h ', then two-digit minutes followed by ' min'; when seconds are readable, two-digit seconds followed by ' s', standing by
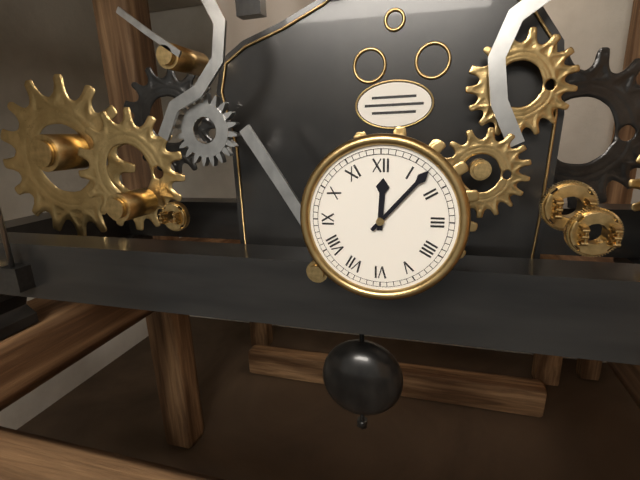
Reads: 12 h 07 min
